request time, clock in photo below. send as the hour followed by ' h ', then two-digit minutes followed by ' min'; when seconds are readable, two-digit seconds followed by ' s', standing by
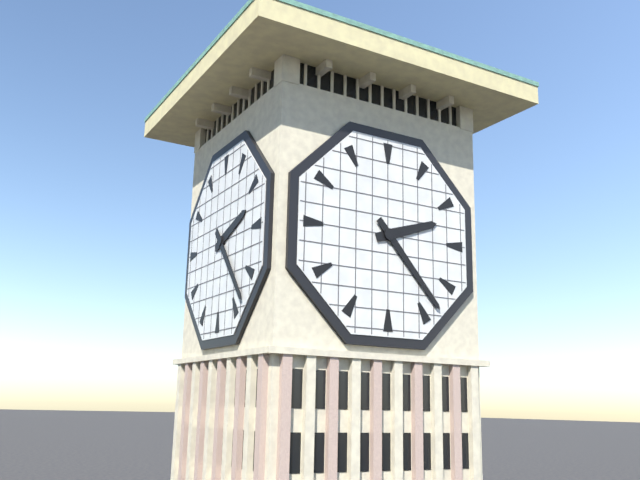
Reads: 2 h 23 min
